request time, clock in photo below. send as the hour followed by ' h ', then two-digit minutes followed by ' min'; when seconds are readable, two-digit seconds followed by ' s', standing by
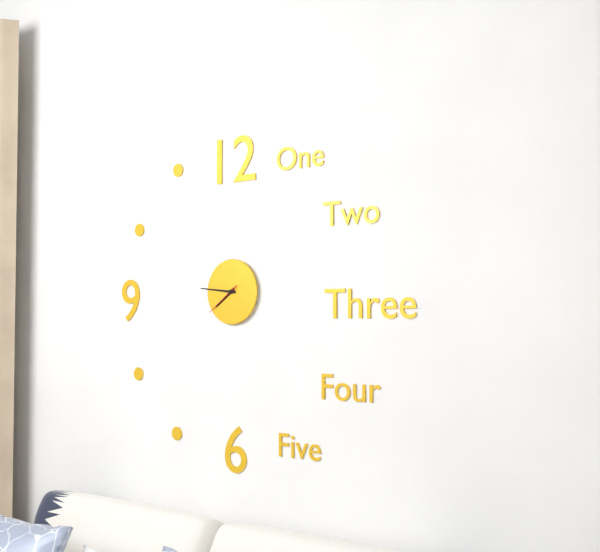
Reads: 7 h 46 min
